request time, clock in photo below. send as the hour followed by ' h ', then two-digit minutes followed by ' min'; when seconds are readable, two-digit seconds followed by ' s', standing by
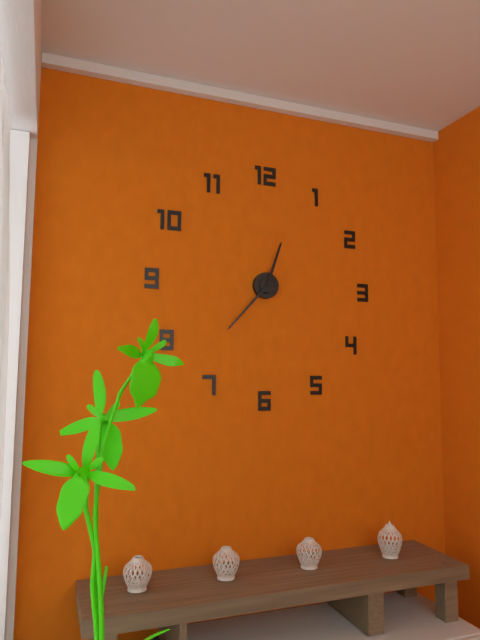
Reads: 12 h 37 min
